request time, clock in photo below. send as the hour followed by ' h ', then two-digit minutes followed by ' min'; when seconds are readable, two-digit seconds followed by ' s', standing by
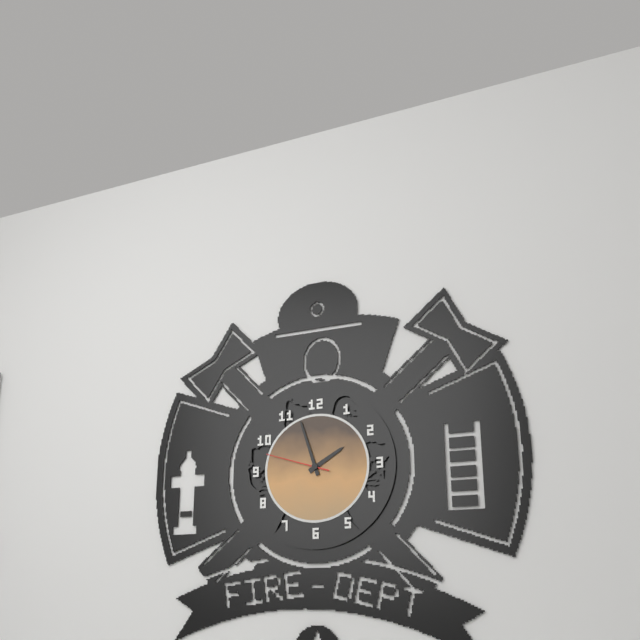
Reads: 1 h 57 min 48 s
